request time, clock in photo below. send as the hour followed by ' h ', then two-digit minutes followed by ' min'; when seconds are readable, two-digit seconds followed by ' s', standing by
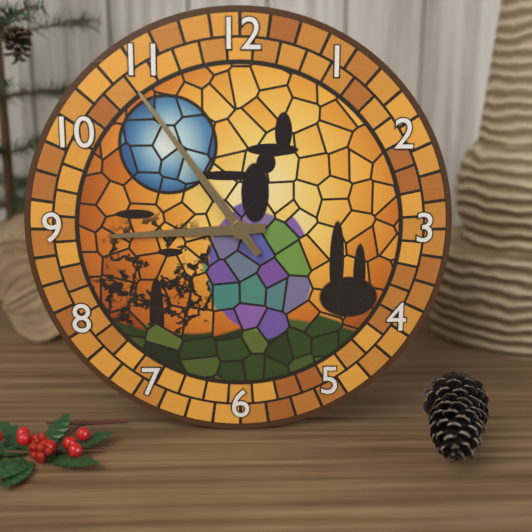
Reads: 8 h 54 min
